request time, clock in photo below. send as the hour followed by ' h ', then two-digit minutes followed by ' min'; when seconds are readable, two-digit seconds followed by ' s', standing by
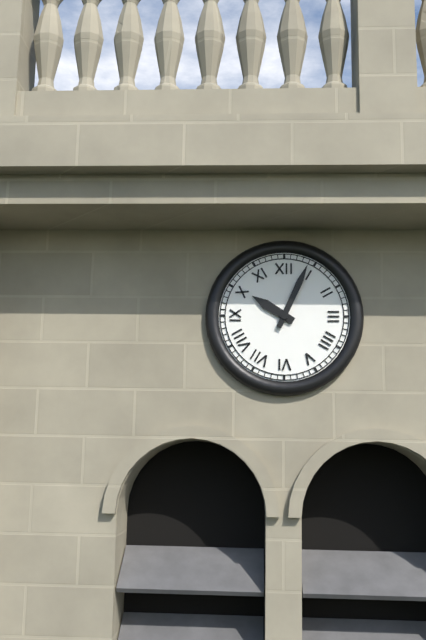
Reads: 10 h 04 min
